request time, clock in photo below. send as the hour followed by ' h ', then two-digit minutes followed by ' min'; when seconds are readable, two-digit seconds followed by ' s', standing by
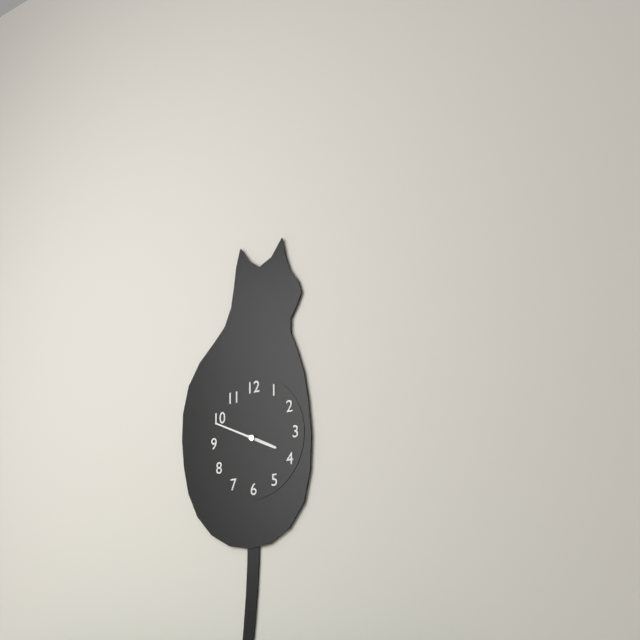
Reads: 3 h 49 min
